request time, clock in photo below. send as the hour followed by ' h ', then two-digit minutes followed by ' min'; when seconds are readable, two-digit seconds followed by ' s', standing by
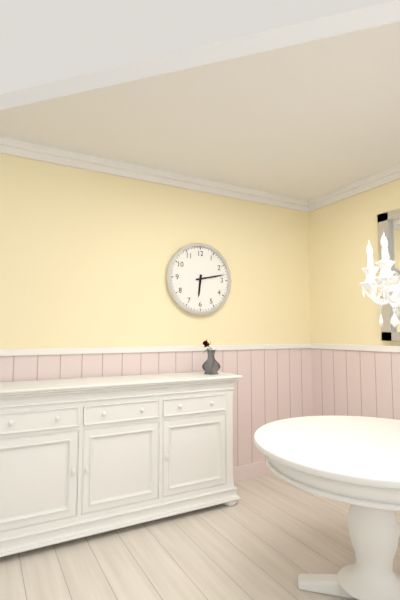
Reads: 6 h 13 min
